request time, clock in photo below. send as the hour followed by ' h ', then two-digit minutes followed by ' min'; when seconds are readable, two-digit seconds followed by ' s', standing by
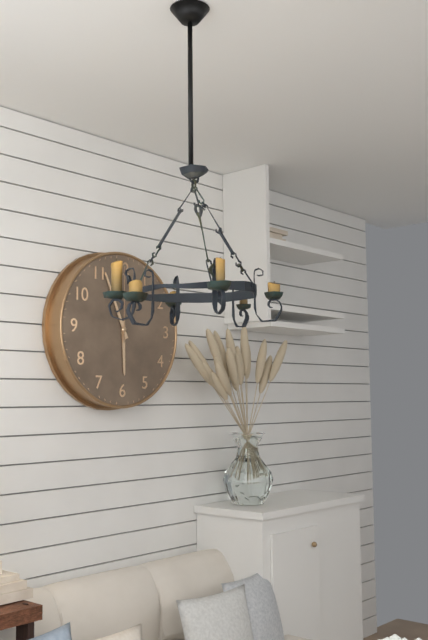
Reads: 5 h 56 min 00 s
